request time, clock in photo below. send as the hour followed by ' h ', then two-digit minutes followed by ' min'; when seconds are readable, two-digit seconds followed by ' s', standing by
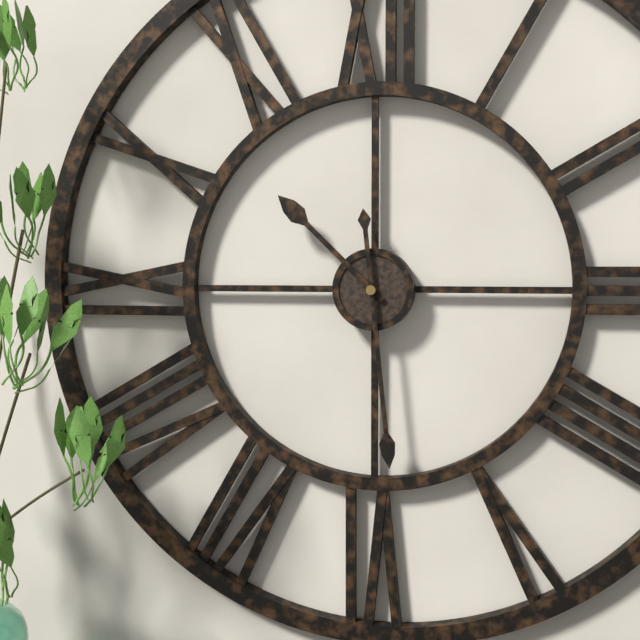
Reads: 10 h 29 min
